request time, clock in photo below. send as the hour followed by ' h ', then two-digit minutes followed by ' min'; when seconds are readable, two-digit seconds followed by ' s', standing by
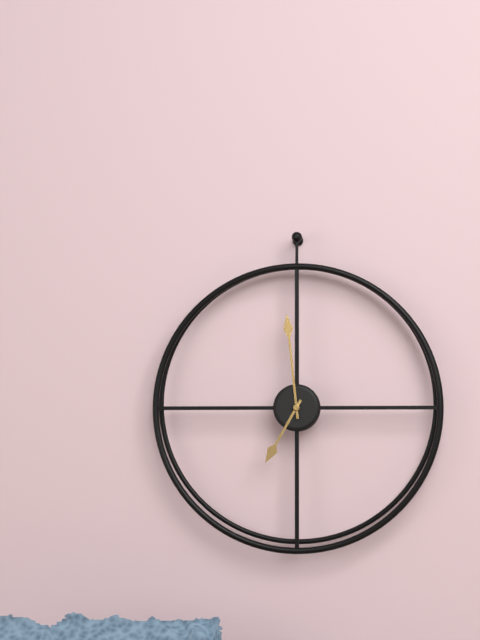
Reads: 6 h 59 min
